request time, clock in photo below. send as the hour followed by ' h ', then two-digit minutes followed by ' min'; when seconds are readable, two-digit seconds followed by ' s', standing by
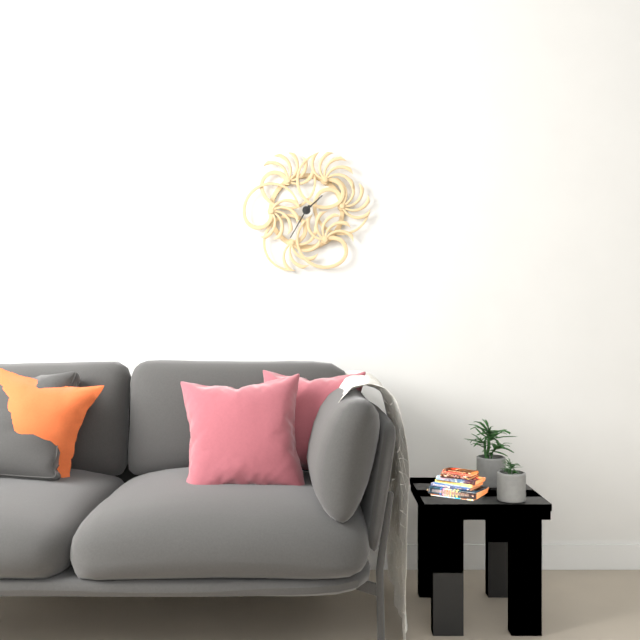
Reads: 1 h 35 min
